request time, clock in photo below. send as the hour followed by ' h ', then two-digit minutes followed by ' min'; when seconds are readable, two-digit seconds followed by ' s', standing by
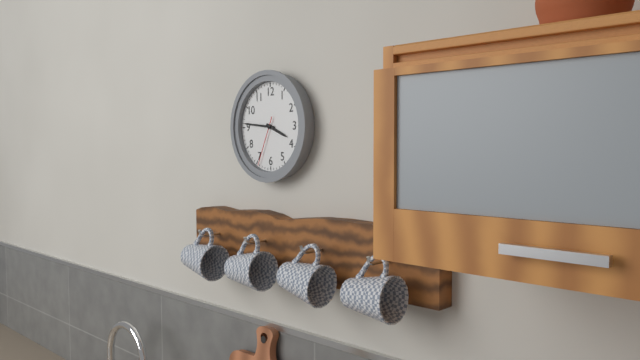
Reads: 3 h 46 min 34 s
